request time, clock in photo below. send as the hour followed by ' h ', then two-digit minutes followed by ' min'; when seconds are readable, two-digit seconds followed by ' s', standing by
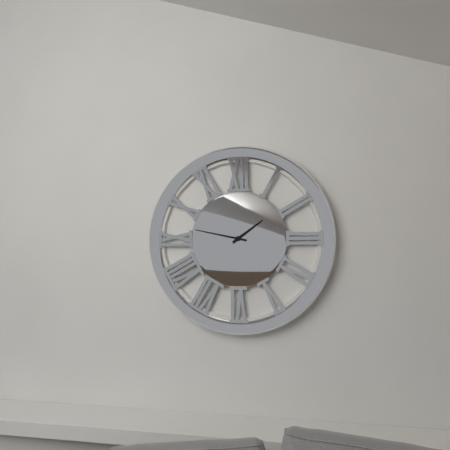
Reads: 1 h 47 min
